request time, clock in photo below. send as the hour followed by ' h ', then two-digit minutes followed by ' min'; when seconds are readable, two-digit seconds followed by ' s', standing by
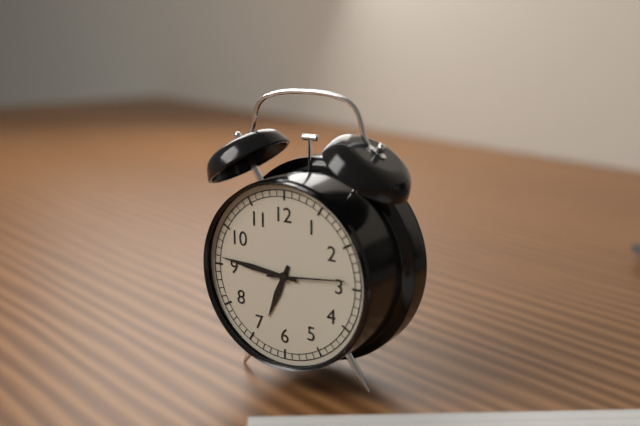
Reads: 6 h 46 min 14 s
